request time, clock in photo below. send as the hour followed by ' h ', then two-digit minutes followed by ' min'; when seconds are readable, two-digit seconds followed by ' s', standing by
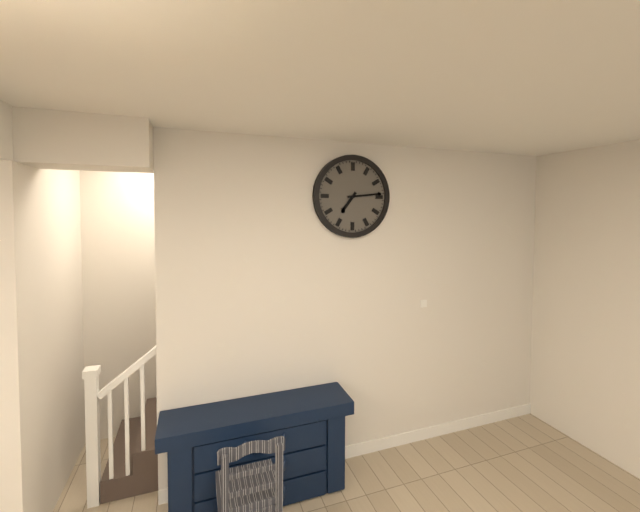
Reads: 7 h 14 min
